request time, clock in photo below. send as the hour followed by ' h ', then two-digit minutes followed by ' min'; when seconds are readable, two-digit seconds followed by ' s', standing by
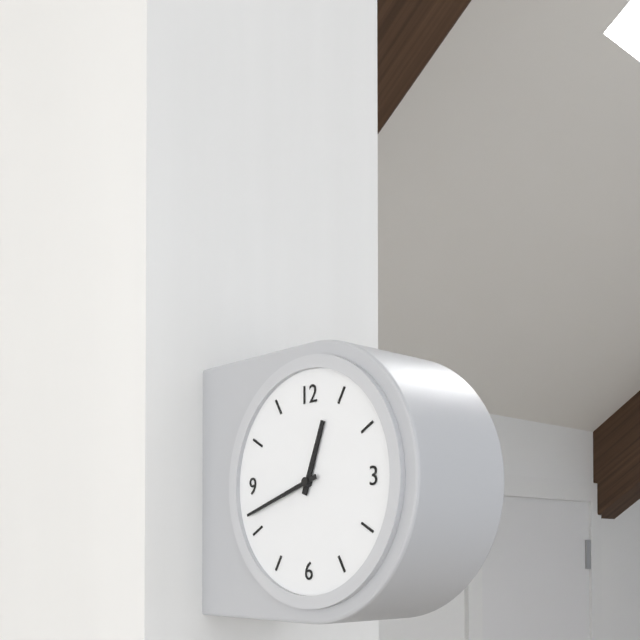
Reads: 12 h 42 min
